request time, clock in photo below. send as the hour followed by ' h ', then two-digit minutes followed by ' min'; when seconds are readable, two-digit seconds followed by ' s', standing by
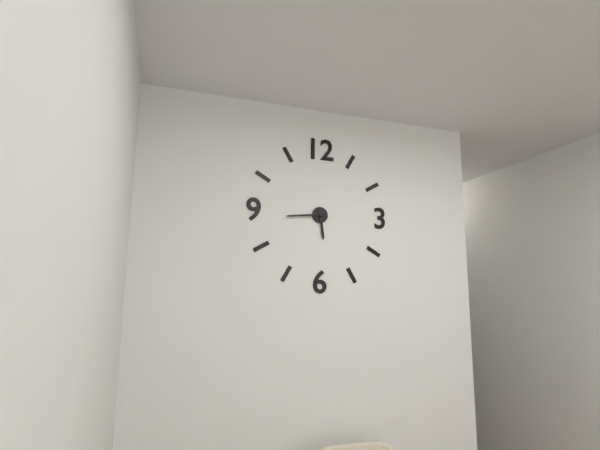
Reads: 5 h 44 min
